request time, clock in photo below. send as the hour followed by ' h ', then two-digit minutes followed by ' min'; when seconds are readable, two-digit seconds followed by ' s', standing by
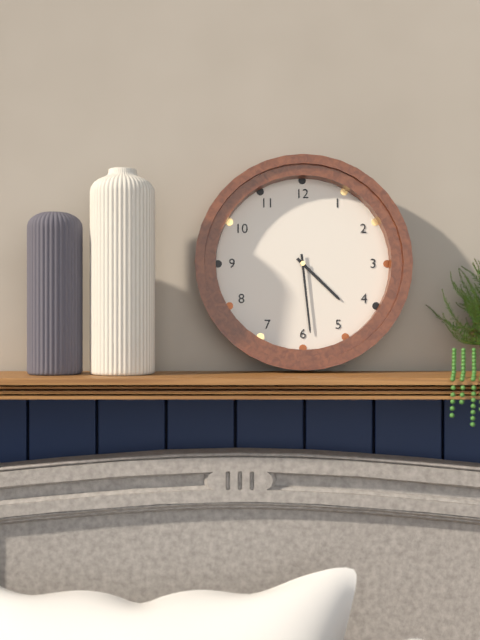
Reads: 4 h 29 min
